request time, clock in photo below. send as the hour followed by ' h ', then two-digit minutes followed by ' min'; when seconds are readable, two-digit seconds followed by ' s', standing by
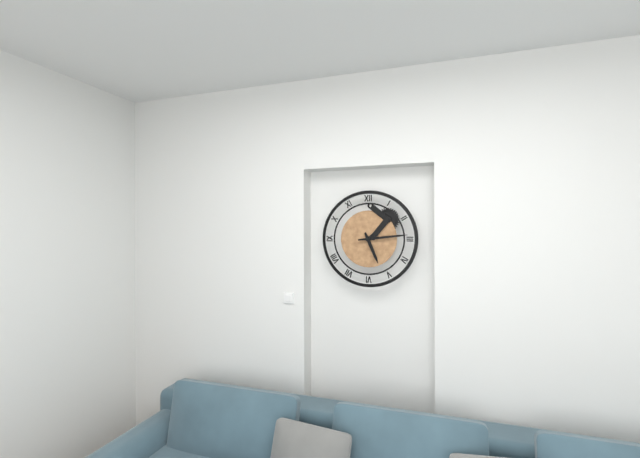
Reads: 5 h 14 min
